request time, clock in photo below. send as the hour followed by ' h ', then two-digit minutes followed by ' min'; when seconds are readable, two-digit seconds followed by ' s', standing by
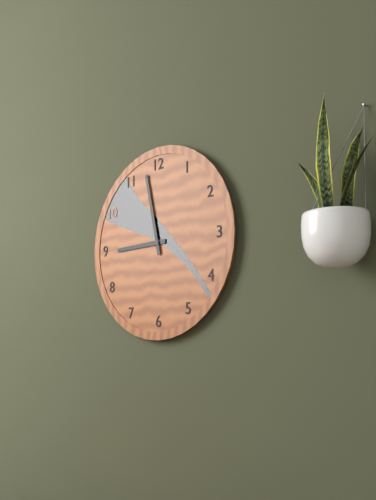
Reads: 8 h 58 min
